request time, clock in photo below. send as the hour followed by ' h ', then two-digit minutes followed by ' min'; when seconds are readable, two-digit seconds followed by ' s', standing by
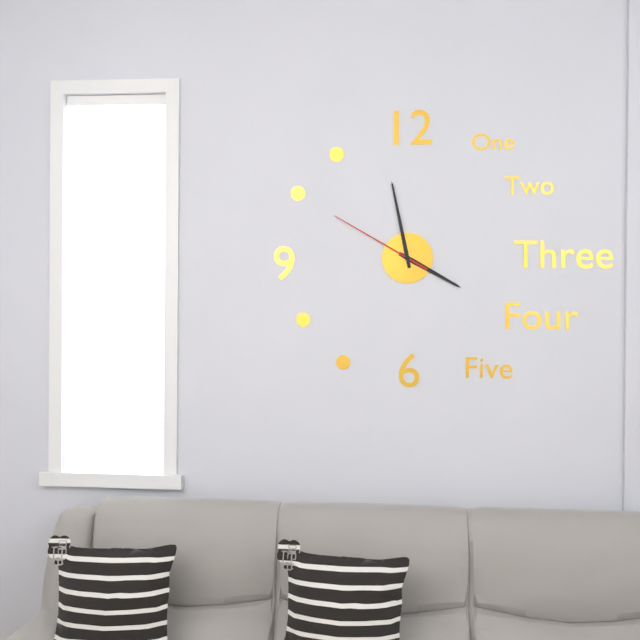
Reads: 3 h 58 min 50 s
